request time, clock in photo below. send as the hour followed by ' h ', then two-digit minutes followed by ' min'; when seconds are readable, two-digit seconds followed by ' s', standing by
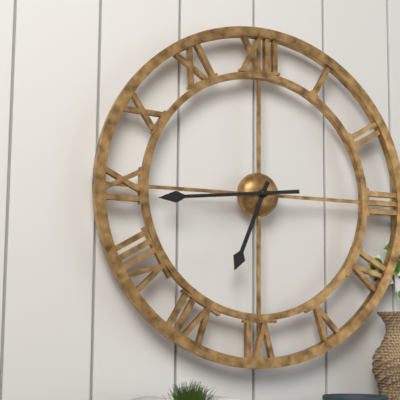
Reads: 6 h 44 min
